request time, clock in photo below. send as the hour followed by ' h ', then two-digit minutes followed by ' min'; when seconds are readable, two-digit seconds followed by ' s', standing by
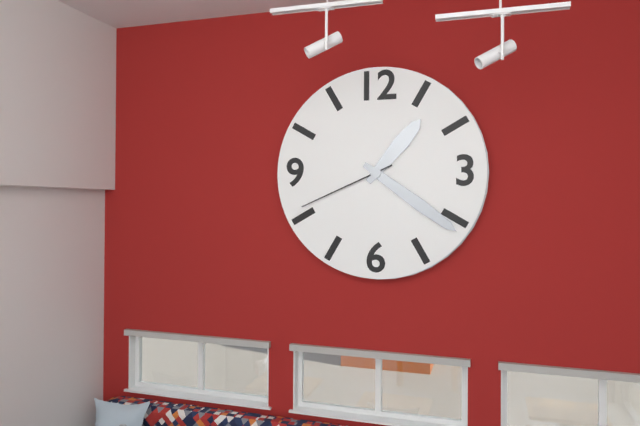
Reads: 1 h 21 min 41 s
